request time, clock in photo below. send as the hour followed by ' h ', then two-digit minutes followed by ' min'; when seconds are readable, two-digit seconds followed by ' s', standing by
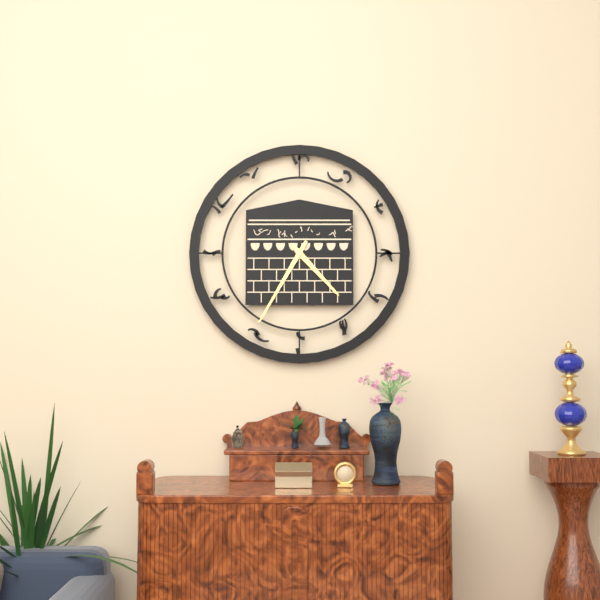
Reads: 4 h 35 min
